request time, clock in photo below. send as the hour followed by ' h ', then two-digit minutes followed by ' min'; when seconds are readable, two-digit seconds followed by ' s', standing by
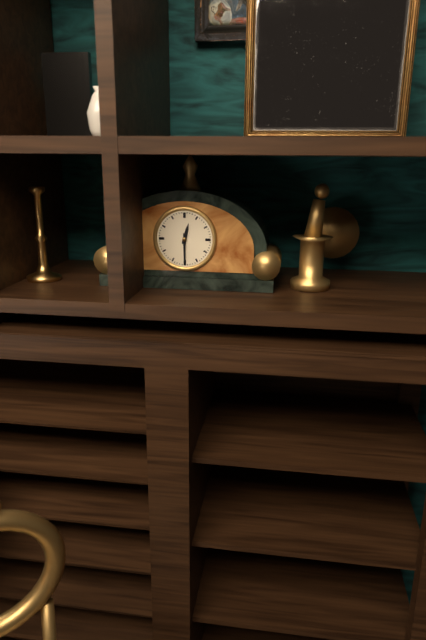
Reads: 12 h 30 min
